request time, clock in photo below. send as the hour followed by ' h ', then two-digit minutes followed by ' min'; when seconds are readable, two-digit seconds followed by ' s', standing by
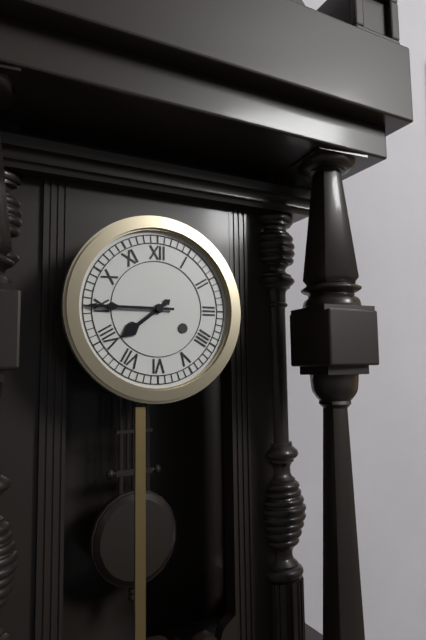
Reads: 7 h 45 min
